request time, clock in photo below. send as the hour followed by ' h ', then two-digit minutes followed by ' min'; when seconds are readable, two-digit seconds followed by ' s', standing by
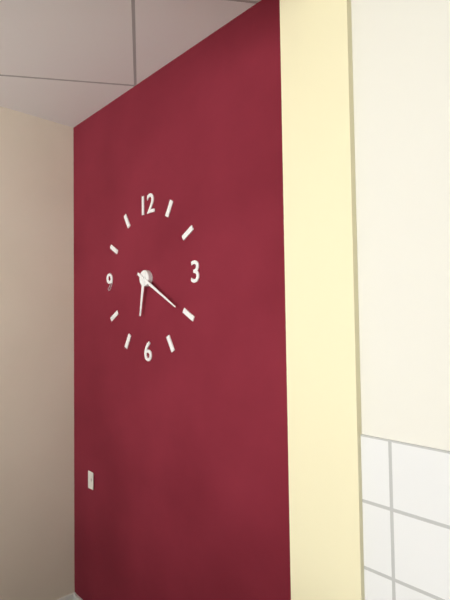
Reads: 6 h 20 min
